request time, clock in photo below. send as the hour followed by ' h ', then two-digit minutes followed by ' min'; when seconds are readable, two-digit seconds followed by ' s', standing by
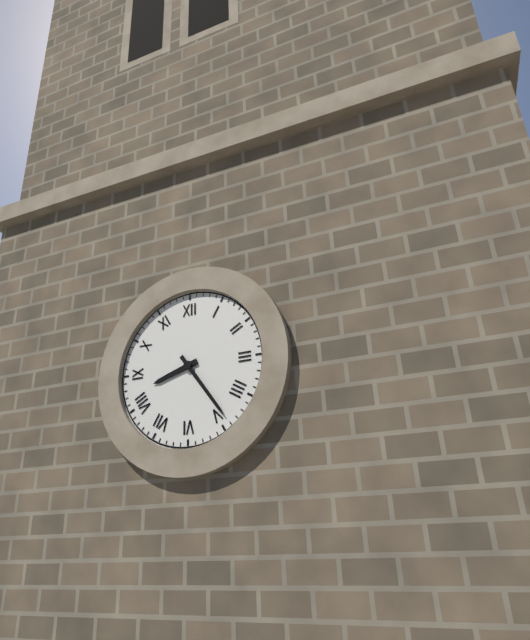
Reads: 8 h 24 min
